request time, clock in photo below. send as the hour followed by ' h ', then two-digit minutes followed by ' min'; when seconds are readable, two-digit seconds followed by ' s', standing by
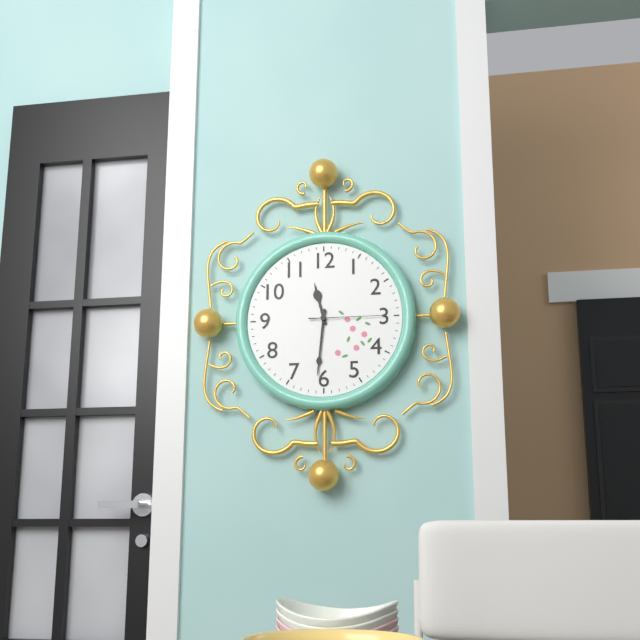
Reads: 11 h 31 min 15 s
